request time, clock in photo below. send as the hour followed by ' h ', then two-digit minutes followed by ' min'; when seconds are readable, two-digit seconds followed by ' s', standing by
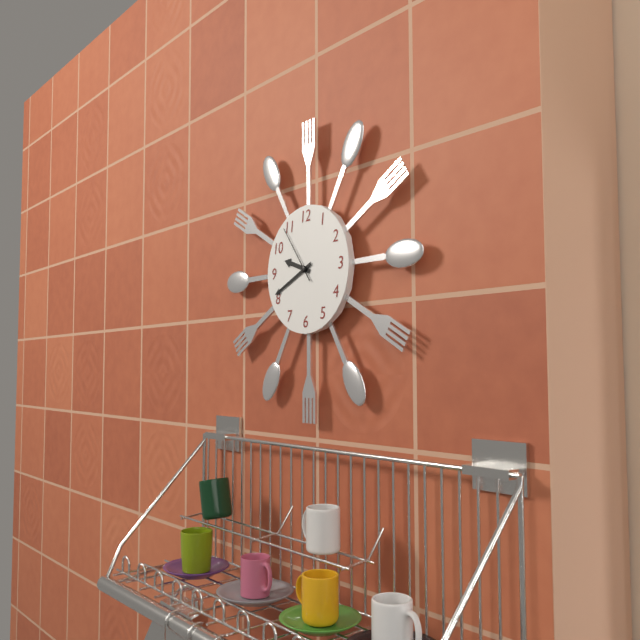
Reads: 9 h 41 min 54 s
